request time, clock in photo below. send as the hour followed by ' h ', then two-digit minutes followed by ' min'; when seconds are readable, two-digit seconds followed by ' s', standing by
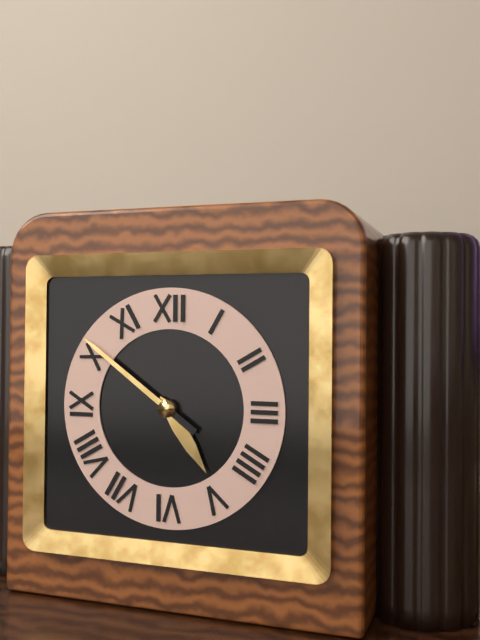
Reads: 4 h 51 min
